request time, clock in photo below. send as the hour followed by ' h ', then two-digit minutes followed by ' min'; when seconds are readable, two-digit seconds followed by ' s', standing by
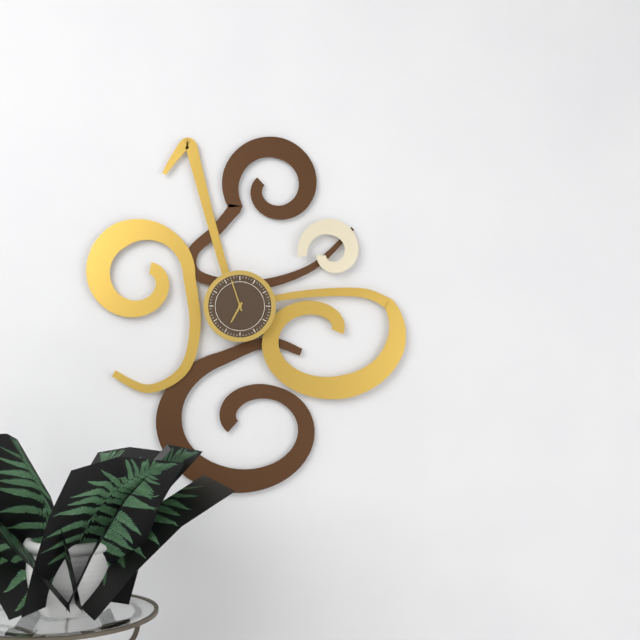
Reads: 6 h 57 min
